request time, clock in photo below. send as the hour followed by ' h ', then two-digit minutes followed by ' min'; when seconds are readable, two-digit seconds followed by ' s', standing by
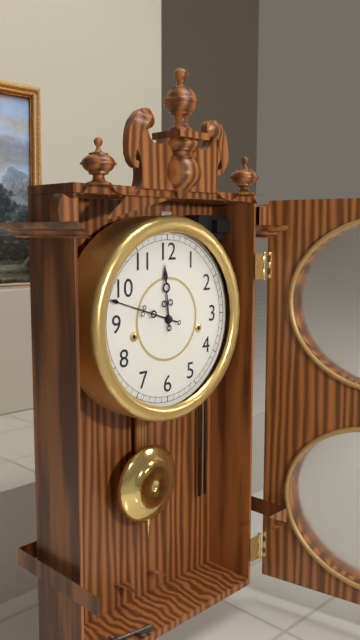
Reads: 11 h 48 min
